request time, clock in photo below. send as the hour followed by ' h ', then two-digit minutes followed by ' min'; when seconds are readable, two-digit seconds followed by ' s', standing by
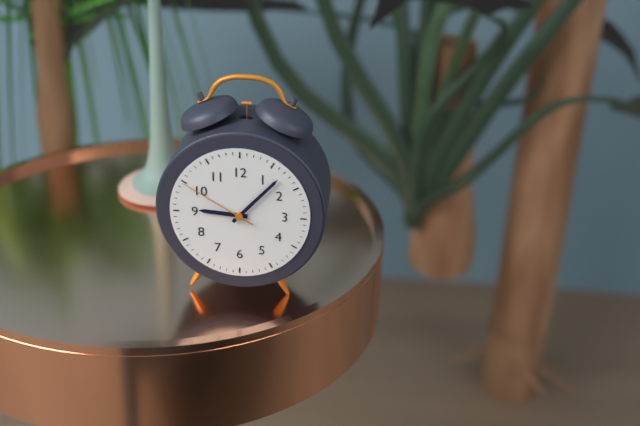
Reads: 9 h 07 min 50 s
